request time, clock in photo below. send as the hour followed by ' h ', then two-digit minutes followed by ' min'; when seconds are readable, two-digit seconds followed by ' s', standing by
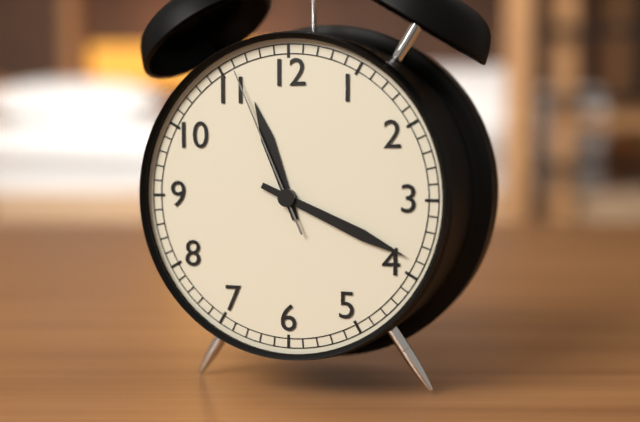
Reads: 11 h 19 min 56 s
